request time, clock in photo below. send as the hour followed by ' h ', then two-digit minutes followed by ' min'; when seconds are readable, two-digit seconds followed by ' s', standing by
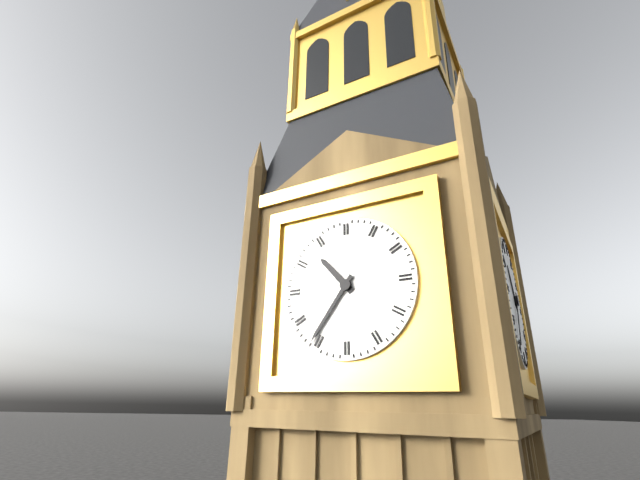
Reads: 10 h 36 min
